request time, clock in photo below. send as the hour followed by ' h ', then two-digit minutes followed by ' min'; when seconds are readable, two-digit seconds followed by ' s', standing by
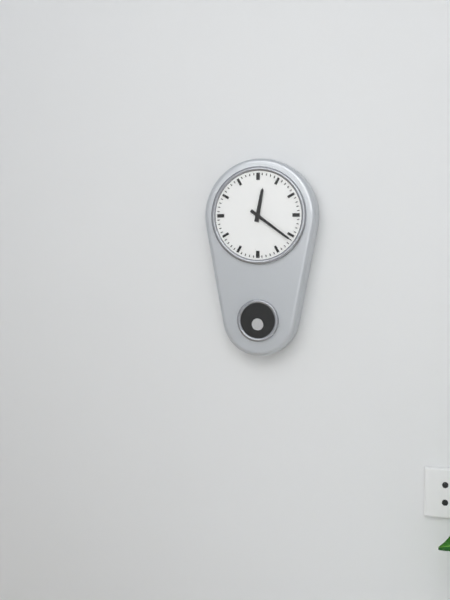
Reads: 12 h 21 min
